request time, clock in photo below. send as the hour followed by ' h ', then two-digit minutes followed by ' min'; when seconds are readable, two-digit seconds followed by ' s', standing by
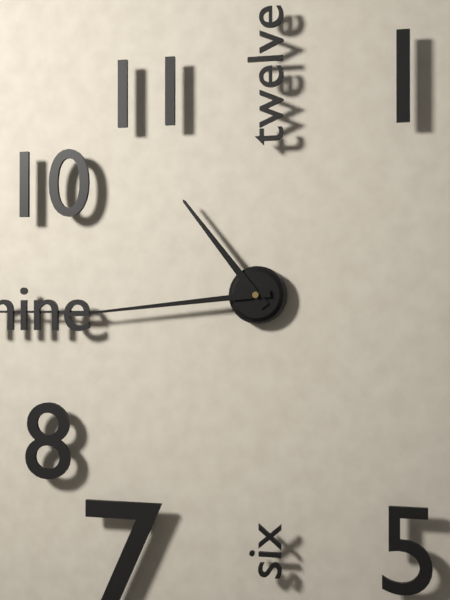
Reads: 10 h 44 min
